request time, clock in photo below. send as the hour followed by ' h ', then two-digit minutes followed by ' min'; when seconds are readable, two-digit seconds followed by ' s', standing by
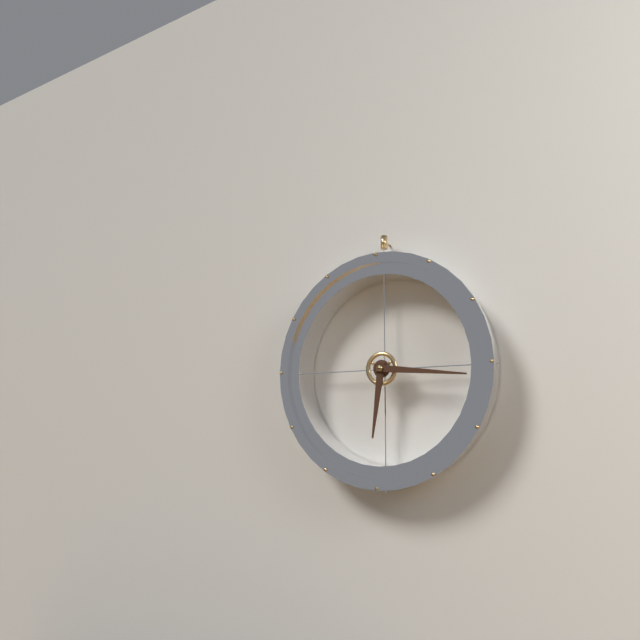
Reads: 6 h 16 min
